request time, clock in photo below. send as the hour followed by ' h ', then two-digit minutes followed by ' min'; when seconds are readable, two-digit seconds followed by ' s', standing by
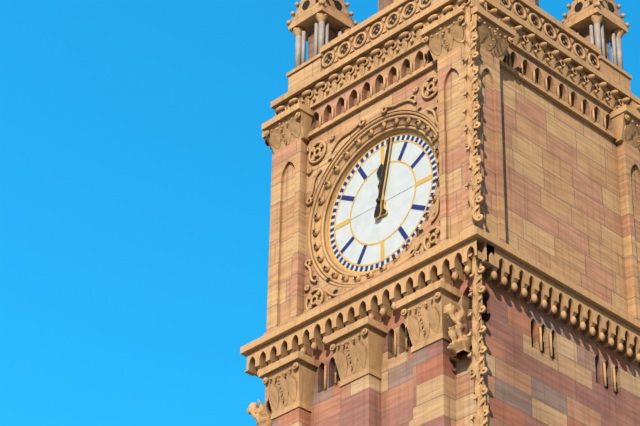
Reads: 12 h 02 min
